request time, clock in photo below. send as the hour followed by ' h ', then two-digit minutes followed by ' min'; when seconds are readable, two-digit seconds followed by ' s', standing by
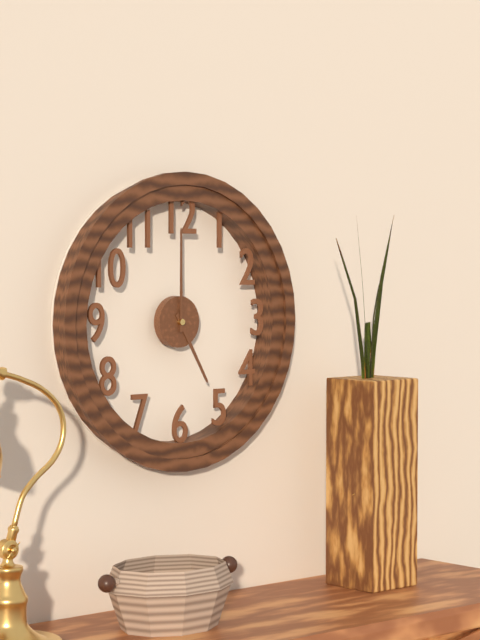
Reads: 5 h 00 min
